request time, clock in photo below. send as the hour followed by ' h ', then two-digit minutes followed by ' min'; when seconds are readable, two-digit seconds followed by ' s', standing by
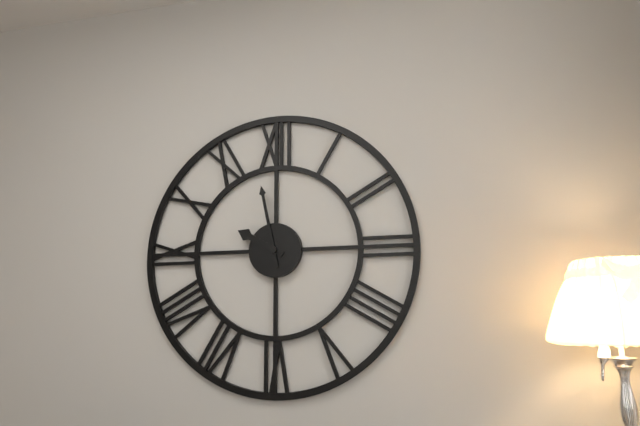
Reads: 9 h 58 min
